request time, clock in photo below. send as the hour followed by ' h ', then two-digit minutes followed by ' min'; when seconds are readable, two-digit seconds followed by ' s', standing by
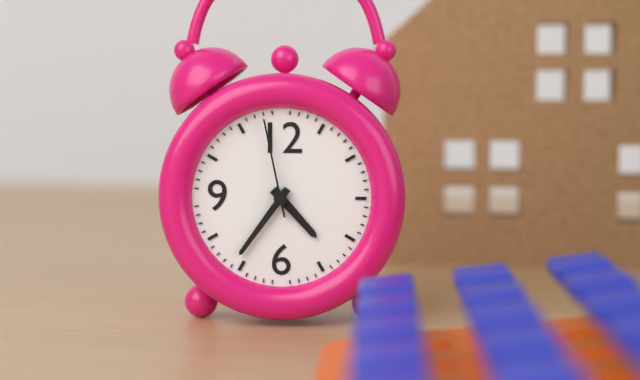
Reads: 4 h 36 min 58 s
